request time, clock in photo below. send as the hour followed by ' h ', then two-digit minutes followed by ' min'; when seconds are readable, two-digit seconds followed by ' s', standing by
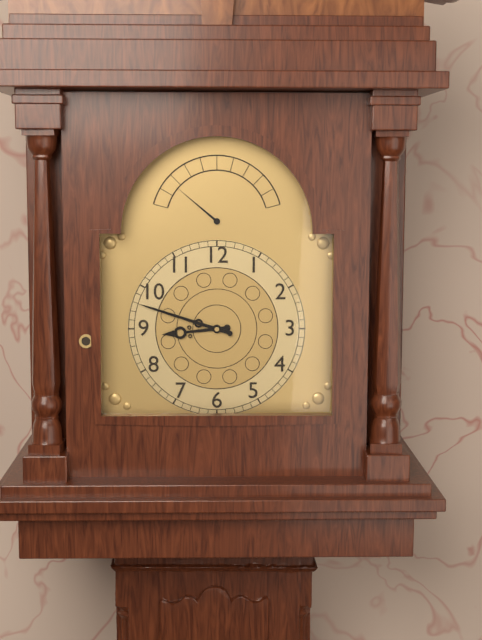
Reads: 8 h 48 min
